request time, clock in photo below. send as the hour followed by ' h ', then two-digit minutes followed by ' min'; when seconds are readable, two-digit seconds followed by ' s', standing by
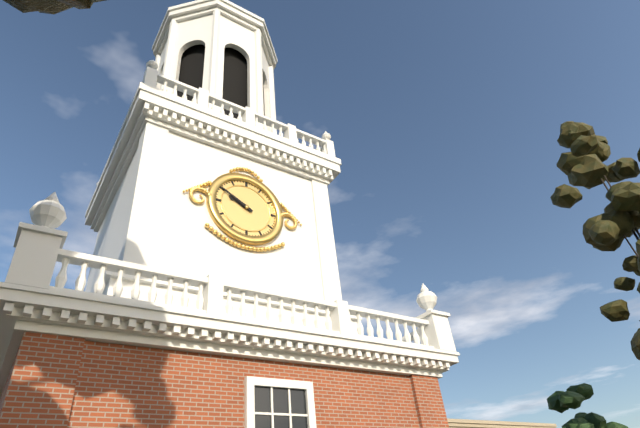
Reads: 9 h 50 min
